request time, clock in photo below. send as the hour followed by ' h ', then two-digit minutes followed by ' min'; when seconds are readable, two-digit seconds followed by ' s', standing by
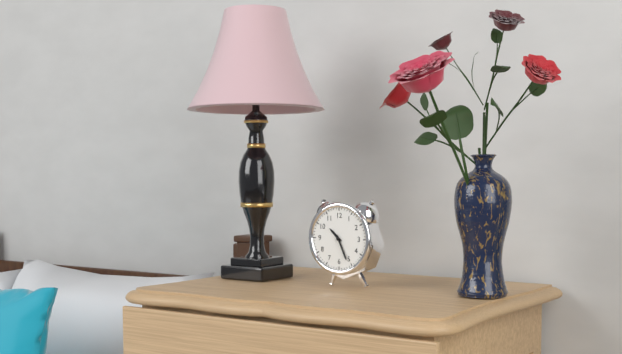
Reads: 10 h 26 min
